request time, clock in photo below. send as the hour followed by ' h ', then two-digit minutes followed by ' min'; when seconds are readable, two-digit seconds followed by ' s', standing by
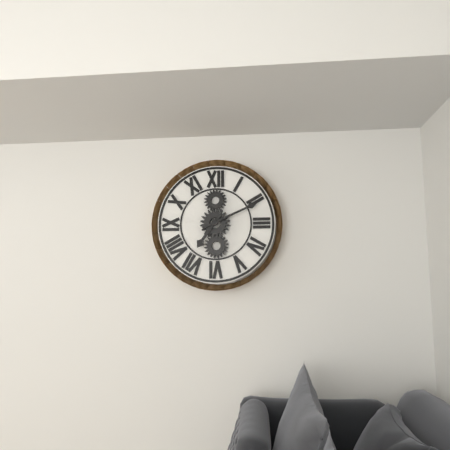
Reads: 7 h 11 min
